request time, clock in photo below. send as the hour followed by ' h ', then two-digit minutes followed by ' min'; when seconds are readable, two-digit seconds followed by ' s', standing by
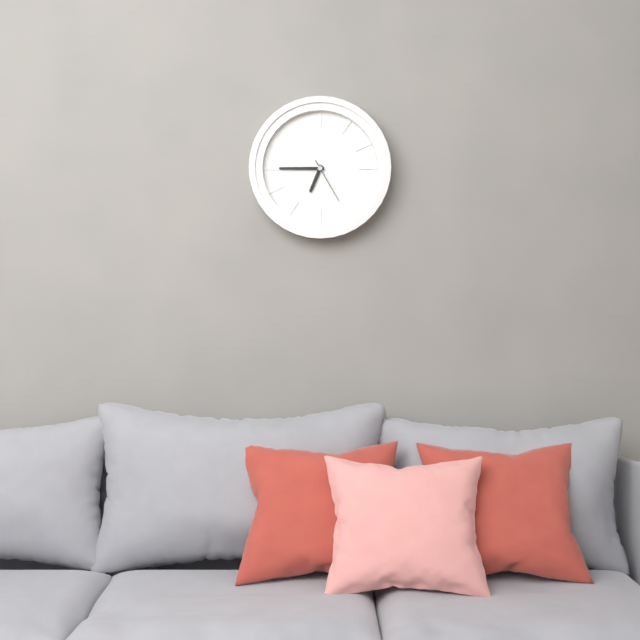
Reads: 6 h 45 min
